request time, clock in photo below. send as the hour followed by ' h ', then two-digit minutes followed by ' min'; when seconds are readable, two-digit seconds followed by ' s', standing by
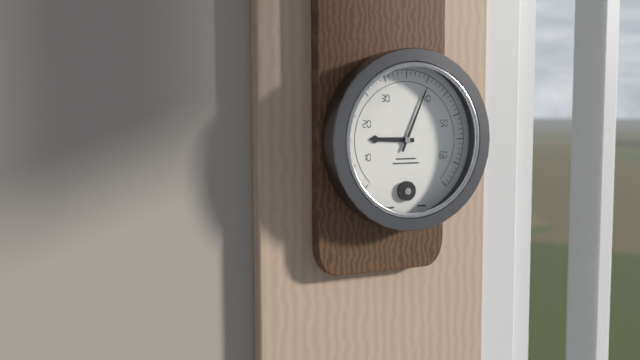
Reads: 9 h 04 min
